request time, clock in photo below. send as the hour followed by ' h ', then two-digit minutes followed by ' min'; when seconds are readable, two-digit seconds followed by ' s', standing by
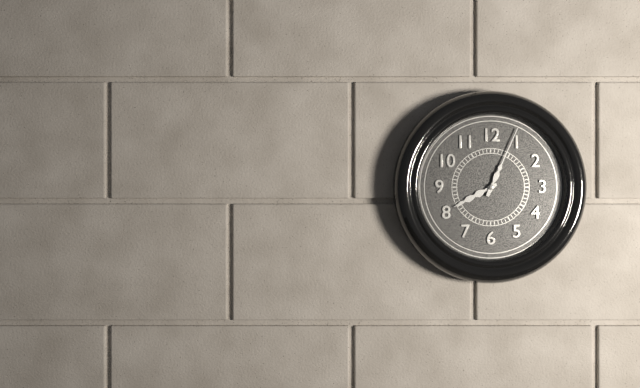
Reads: 8 h 04 min
